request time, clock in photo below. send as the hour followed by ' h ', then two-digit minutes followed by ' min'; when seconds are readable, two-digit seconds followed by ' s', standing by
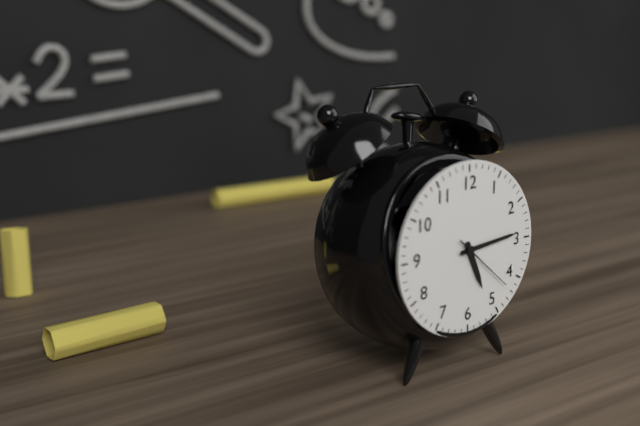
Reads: 5 h 14 min 22 s
